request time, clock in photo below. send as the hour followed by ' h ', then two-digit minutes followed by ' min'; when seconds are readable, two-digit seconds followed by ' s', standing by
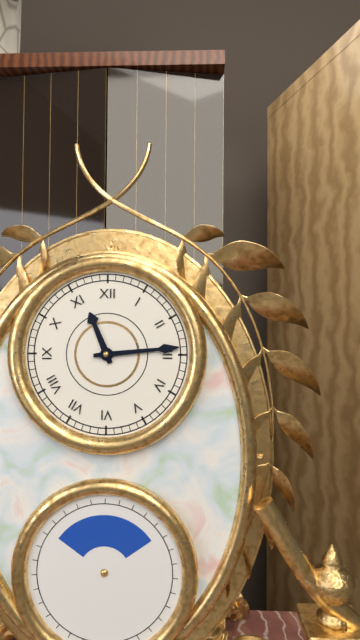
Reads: 11 h 14 min
